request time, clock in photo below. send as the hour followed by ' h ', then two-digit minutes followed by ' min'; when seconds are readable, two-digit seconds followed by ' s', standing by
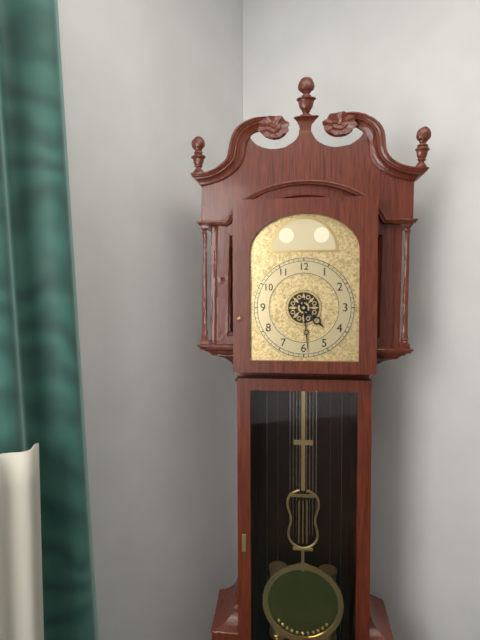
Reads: 4 h 29 min
